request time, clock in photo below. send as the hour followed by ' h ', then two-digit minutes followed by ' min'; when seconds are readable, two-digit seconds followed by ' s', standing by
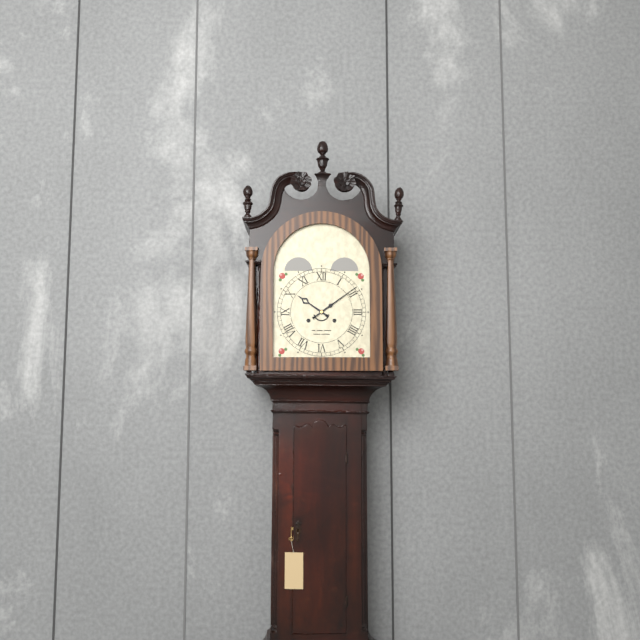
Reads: 10 h 09 min
